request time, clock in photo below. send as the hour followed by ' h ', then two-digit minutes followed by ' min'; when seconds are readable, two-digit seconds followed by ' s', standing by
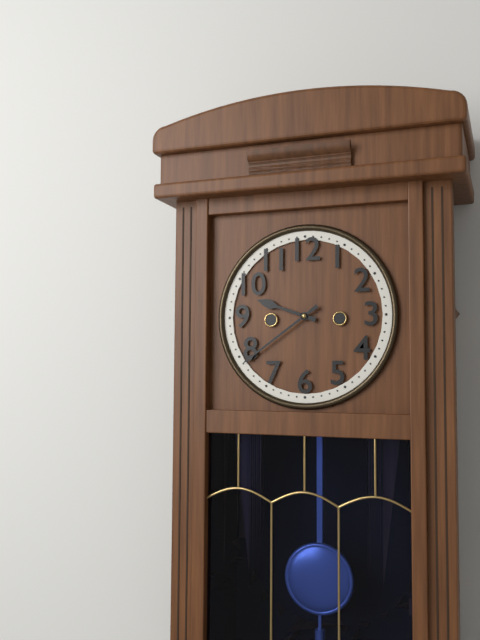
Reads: 9 h 39 min
